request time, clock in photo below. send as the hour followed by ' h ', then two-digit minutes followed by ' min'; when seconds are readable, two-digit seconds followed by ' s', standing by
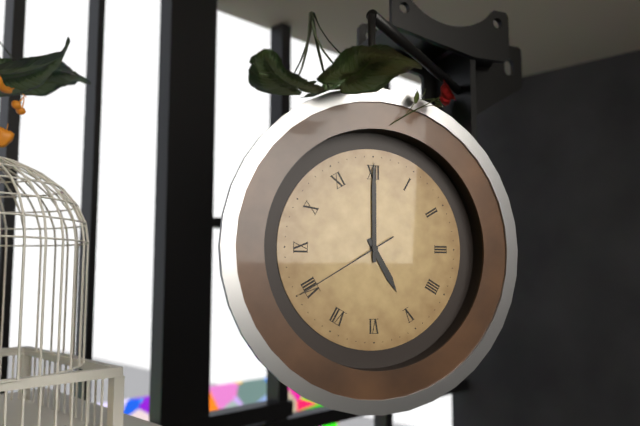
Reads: 5 h 00 min 40 s
